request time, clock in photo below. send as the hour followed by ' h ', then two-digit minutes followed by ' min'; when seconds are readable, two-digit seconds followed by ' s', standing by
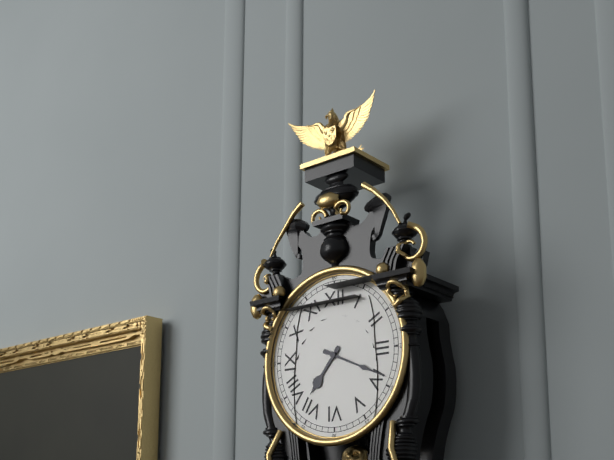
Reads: 7 h 19 min
